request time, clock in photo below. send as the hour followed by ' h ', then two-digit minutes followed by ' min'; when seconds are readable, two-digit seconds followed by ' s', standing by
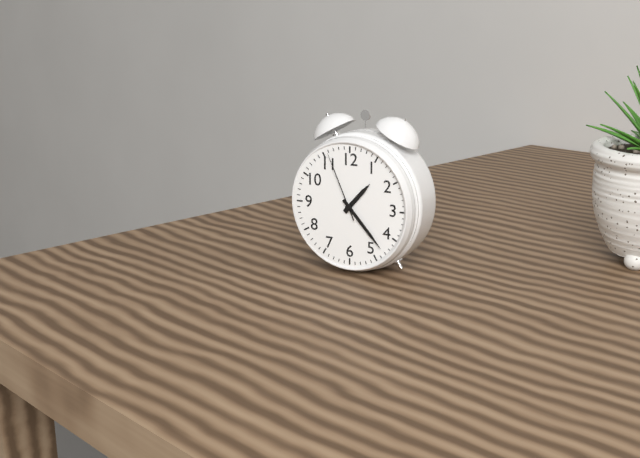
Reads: 1 h 23 min 56 s
